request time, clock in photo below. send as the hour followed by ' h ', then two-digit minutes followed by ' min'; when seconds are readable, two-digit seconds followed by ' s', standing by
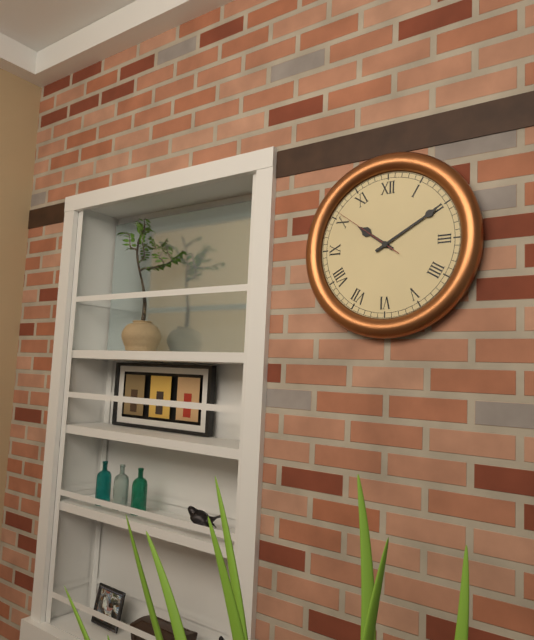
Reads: 10 h 10 min 51 s
